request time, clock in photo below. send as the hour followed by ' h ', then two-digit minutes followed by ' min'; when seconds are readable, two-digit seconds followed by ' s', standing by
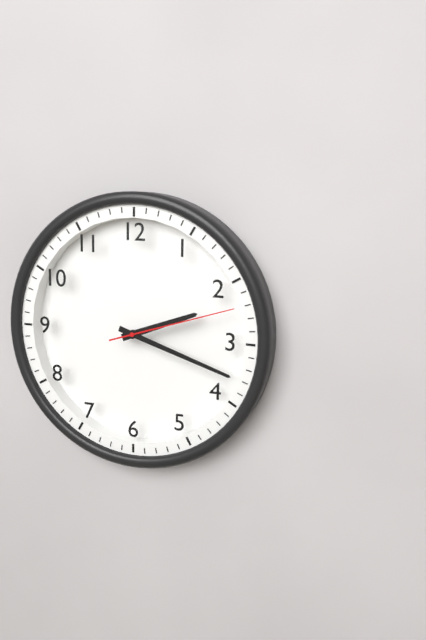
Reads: 2 h 18 min 12 s
